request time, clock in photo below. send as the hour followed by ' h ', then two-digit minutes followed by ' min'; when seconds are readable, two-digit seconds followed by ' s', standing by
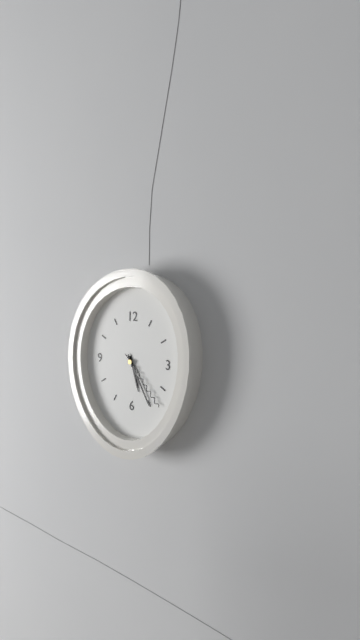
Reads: 5 h 25 min 23 s
